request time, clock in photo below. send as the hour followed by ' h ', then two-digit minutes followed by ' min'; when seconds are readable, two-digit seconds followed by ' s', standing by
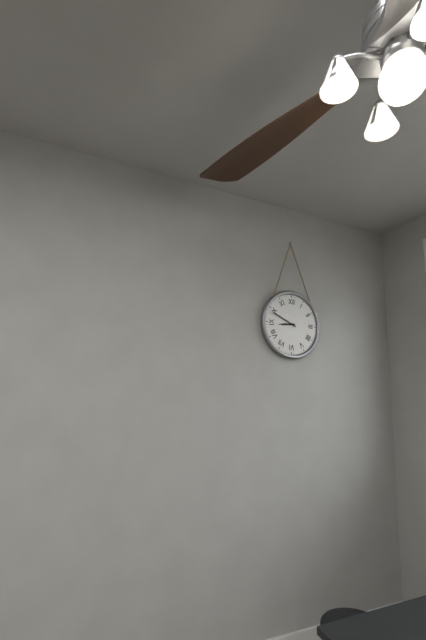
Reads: 8 h 49 min
